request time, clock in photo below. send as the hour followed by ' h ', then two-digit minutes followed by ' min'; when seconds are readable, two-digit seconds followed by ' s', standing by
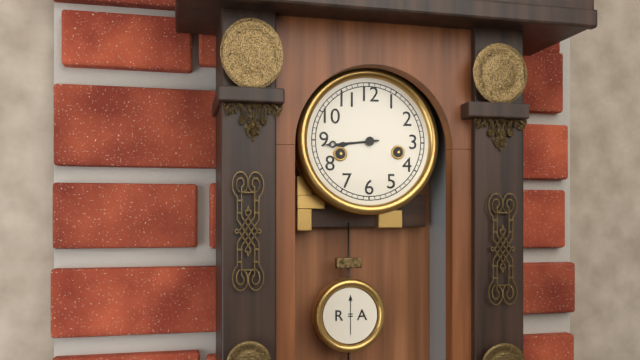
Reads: 8 h 44 min
